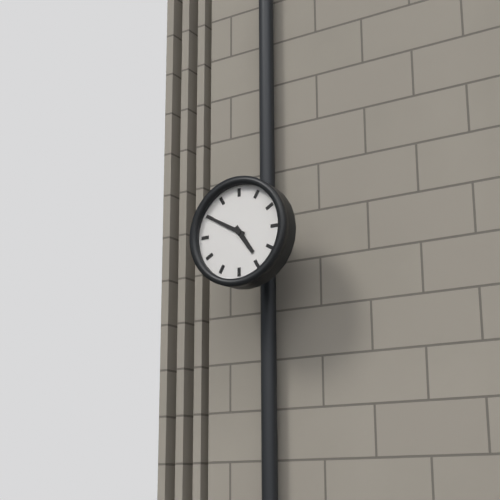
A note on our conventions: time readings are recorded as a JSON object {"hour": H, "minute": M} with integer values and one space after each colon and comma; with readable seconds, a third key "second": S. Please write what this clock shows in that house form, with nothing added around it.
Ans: {"hour": 4, "minute": 50}
